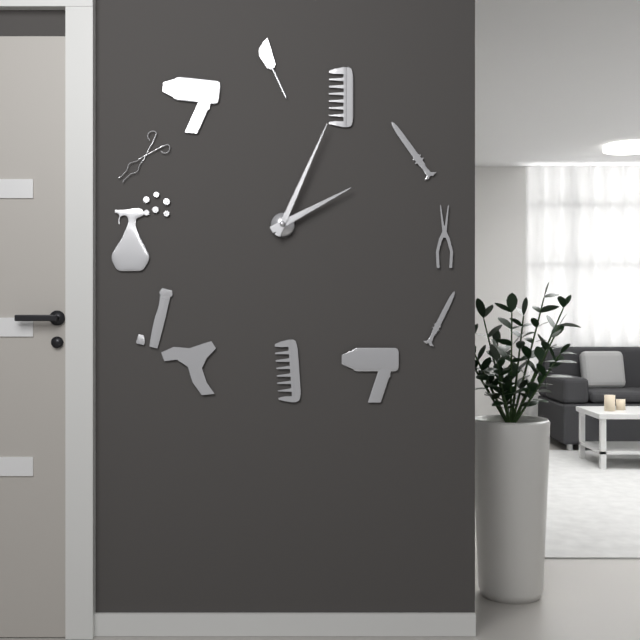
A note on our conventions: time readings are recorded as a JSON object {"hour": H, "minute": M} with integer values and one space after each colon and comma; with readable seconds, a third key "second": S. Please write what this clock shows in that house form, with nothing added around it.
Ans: {"hour": 2, "minute": 4}
